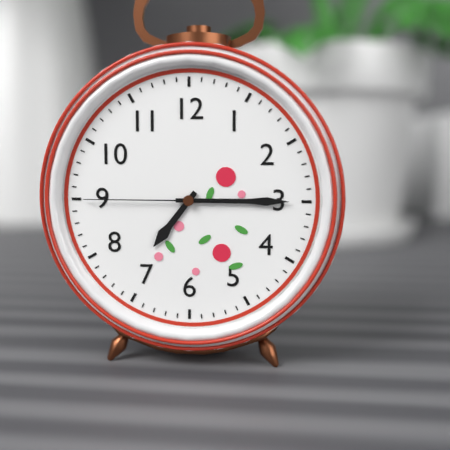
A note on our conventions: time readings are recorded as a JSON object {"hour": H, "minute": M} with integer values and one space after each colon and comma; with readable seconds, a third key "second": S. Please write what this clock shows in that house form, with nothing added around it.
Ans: {"hour": 7, "minute": 15, "second": 45}
